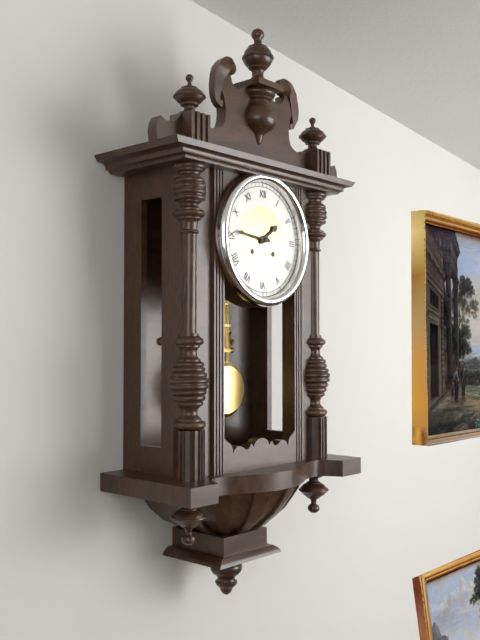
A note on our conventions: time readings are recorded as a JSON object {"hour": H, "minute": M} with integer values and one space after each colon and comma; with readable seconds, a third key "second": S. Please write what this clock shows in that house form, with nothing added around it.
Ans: {"hour": 1, "minute": 46}
